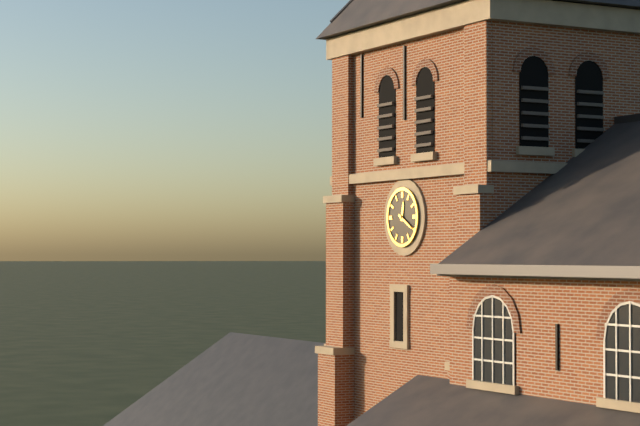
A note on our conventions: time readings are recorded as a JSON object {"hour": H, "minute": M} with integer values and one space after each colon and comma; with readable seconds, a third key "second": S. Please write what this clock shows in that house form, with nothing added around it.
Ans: {"hour": 12, "minute": 20}
